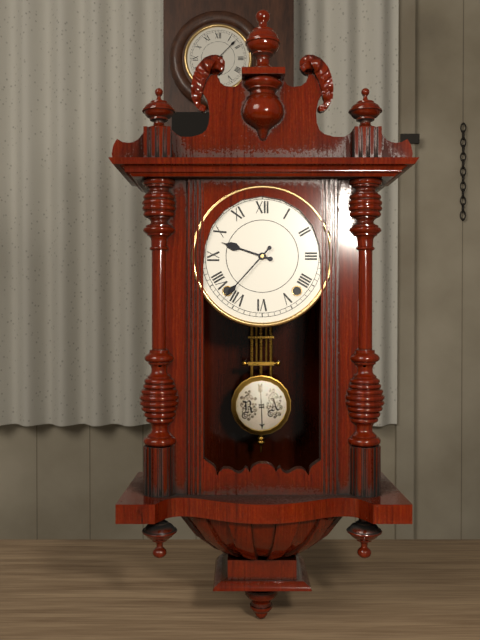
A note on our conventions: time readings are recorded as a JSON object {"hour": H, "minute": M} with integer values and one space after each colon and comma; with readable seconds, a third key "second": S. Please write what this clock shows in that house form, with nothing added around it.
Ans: {"hour": 9, "minute": 37}
